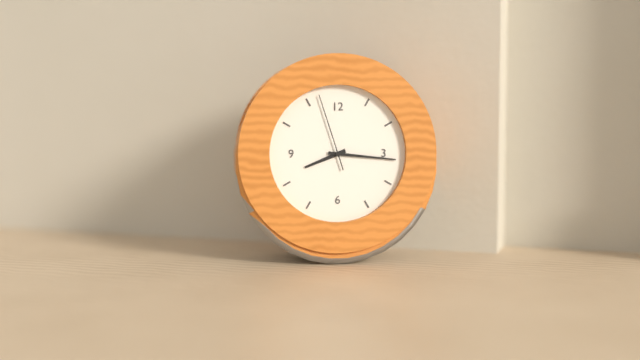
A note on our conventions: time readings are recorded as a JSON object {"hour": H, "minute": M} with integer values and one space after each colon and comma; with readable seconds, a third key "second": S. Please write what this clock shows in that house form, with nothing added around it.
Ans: {"hour": 8, "minute": 16, "second": 57}
